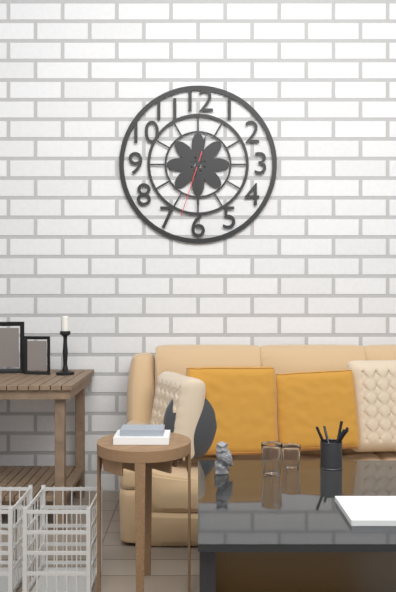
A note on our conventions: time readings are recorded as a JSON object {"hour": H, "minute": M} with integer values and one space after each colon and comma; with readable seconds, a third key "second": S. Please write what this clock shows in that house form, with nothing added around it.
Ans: {"hour": 12, "minute": 30, "second": 33}
